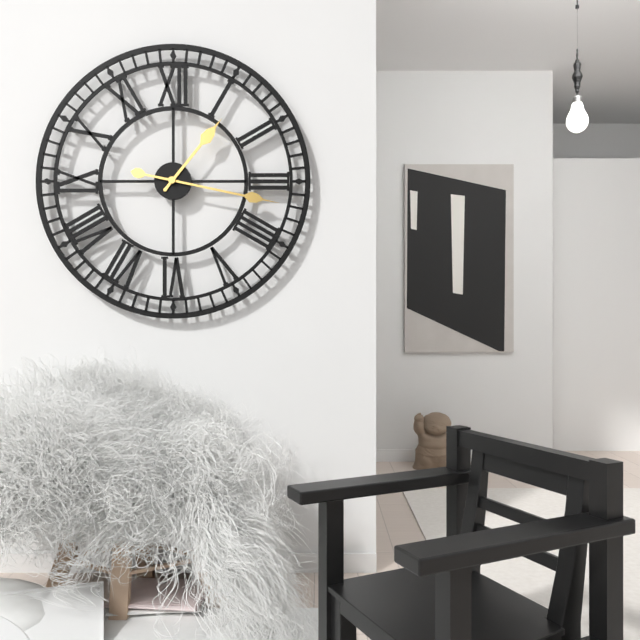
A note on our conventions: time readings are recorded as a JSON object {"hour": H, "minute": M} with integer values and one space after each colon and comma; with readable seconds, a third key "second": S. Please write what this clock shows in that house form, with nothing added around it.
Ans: {"hour": 1, "minute": 17}
